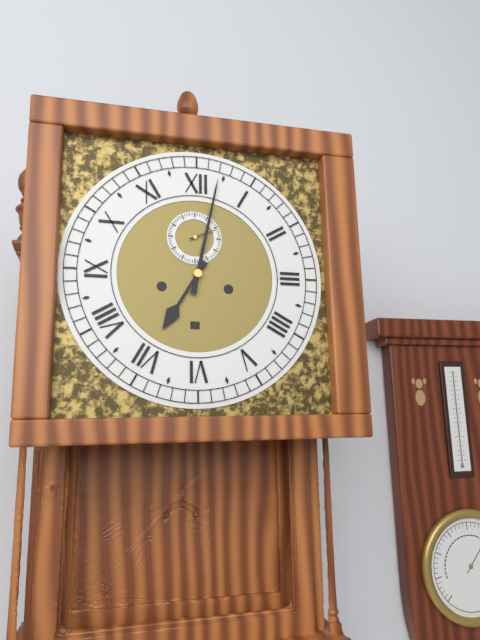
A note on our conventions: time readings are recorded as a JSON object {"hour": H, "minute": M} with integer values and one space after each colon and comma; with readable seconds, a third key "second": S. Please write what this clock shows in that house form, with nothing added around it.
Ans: {"hour": 7, "minute": 2}
